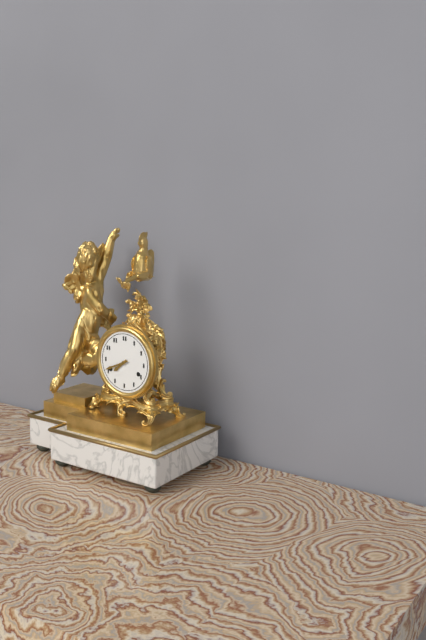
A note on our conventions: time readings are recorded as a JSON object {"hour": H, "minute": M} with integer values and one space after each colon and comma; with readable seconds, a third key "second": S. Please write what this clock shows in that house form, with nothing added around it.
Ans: {"hour": 7, "minute": 41}
